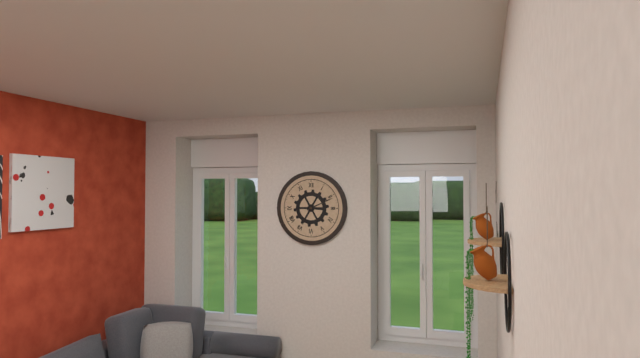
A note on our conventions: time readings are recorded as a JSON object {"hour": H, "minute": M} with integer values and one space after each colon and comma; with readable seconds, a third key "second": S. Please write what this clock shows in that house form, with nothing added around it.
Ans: {"hour": 3, "minute": 11}
